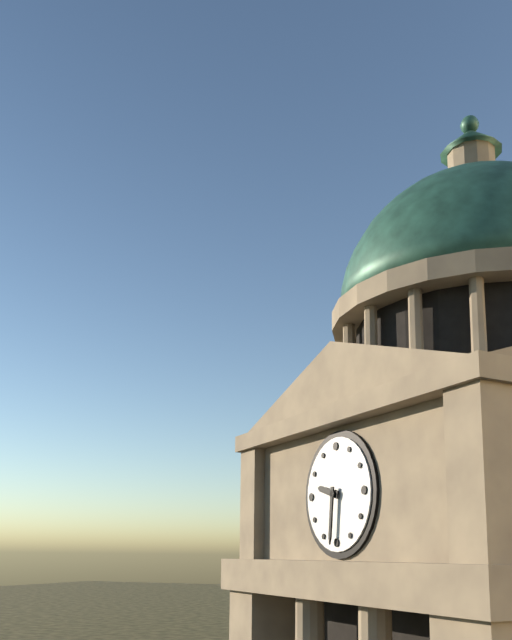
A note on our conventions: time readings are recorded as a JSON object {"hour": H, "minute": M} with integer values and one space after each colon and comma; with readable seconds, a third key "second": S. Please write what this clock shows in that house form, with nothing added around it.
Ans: {"hour": 9, "minute": 31}
